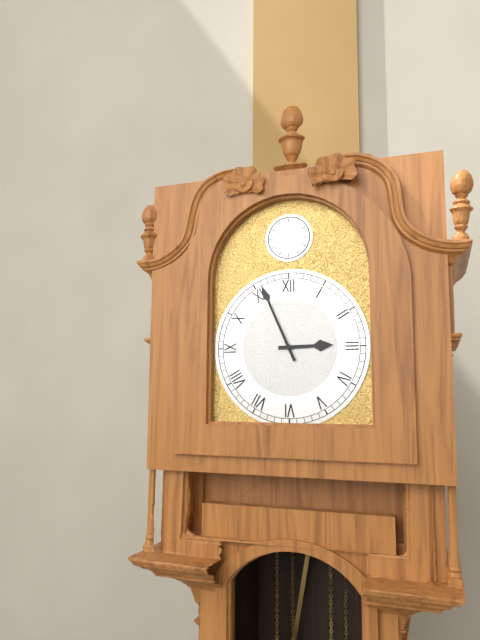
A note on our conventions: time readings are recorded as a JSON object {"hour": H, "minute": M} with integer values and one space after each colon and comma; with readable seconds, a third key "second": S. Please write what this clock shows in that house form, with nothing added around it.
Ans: {"hour": 2, "minute": 56}
